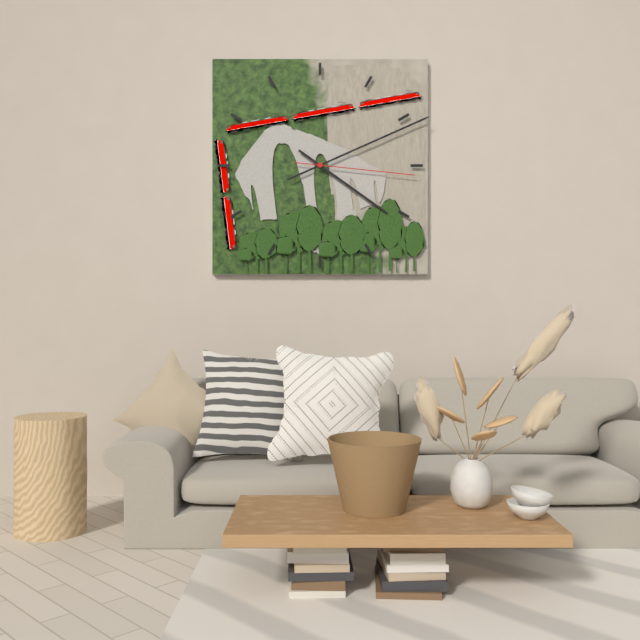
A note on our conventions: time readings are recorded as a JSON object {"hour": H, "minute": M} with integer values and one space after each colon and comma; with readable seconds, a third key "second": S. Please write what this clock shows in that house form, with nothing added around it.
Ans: {"hour": 4, "minute": 11, "second": 16}
